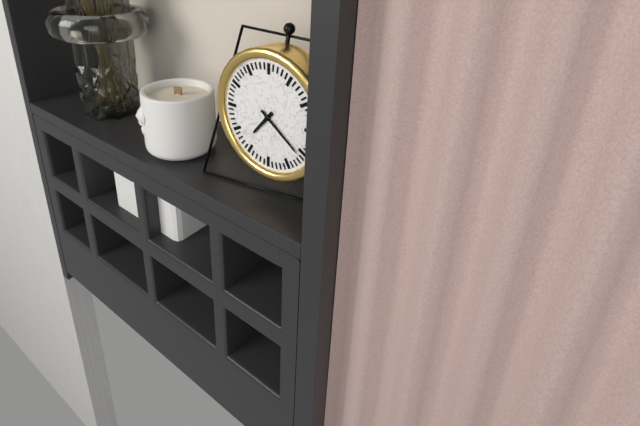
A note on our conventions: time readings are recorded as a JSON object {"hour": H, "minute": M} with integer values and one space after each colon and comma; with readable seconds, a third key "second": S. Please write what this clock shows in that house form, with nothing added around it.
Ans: {"hour": 7, "minute": 21}
